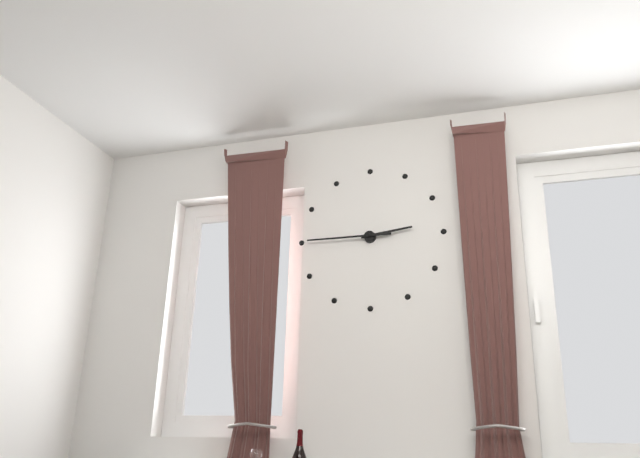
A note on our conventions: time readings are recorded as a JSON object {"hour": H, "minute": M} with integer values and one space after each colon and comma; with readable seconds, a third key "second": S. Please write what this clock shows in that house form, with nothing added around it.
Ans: {"hour": 2, "minute": 45}
